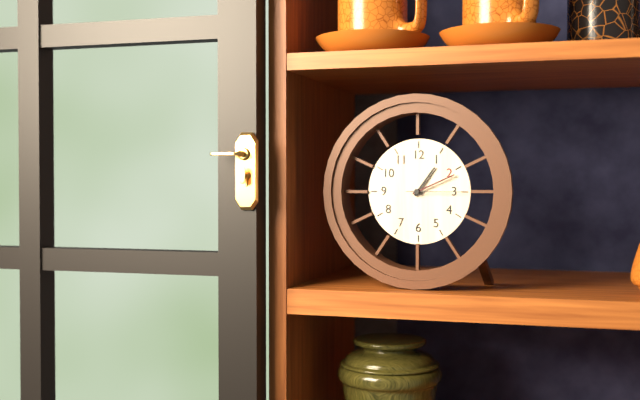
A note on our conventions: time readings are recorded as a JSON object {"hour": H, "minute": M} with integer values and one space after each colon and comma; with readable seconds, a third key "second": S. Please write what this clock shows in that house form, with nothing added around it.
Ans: {"hour": 1, "minute": 11, "second": 15}
